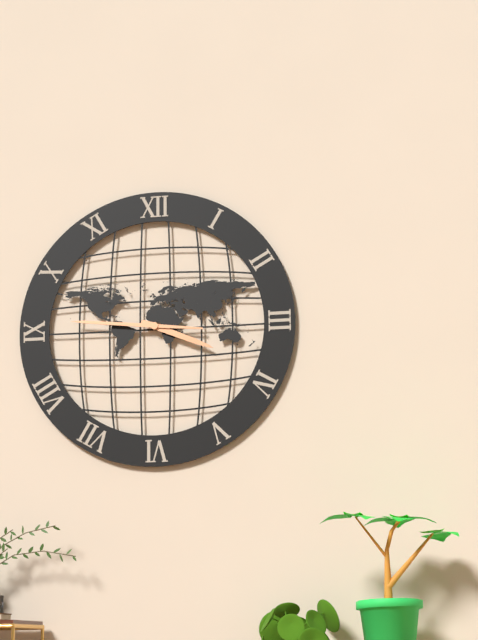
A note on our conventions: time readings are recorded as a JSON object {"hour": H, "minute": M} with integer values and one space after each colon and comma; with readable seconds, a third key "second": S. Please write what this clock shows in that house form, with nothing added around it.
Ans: {"hour": 3, "minute": 46}
